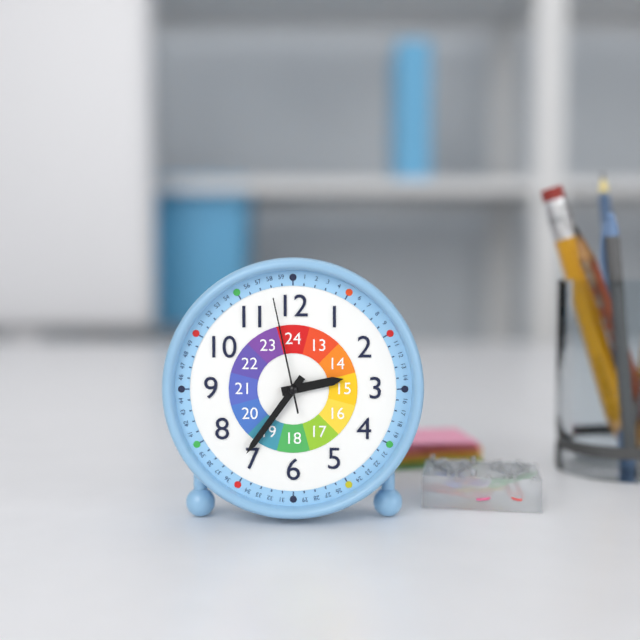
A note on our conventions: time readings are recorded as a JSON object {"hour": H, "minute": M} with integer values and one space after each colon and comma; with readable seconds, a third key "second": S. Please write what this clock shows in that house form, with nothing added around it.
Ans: {"hour": 2, "minute": 36, "second": 58}
